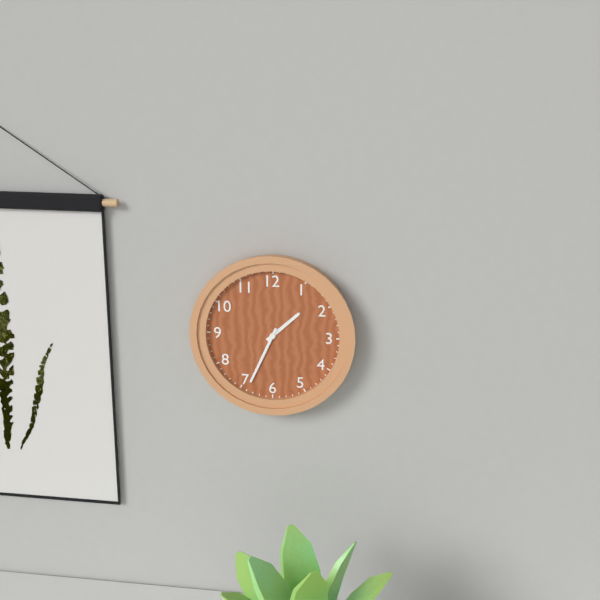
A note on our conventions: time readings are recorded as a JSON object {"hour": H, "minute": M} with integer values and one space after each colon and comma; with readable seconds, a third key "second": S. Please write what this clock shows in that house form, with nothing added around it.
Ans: {"hour": 1, "minute": 34}
